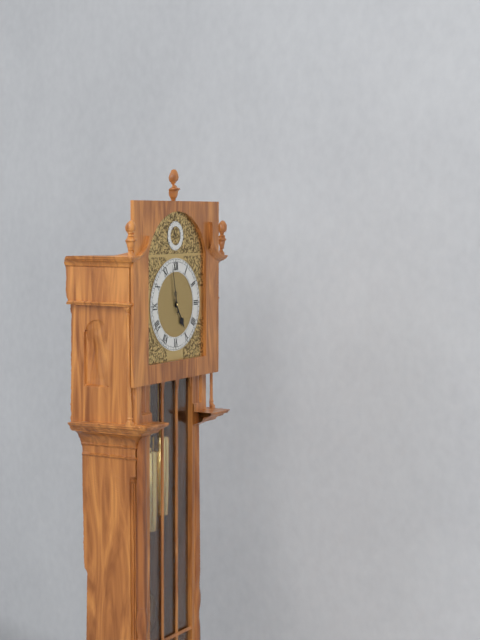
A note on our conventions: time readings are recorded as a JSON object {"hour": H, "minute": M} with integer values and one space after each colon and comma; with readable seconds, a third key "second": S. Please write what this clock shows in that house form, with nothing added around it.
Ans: {"hour": 4, "minute": 58}
